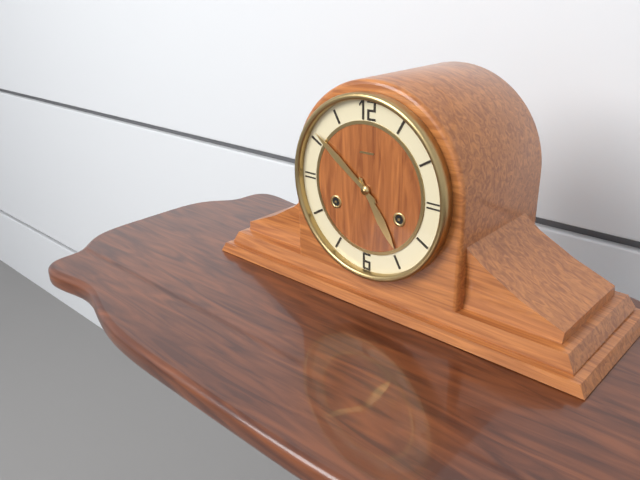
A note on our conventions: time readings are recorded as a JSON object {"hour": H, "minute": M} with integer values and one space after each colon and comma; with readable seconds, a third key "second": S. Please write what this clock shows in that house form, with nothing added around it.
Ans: {"hour": 4, "minute": 51}
